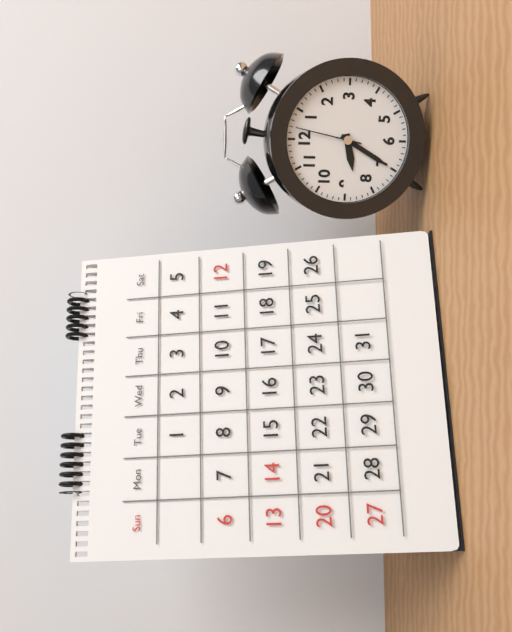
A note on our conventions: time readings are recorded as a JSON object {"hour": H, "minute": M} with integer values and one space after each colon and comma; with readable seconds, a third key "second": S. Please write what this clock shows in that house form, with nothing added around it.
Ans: {"hour": 8, "minute": 35, "second": 2}
